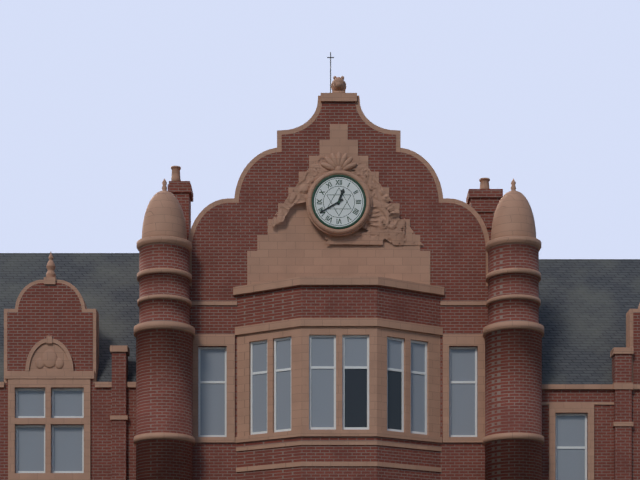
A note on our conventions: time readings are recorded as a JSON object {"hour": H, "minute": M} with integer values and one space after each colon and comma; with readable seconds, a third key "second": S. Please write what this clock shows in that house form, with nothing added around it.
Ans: {"hour": 12, "minute": 40}
